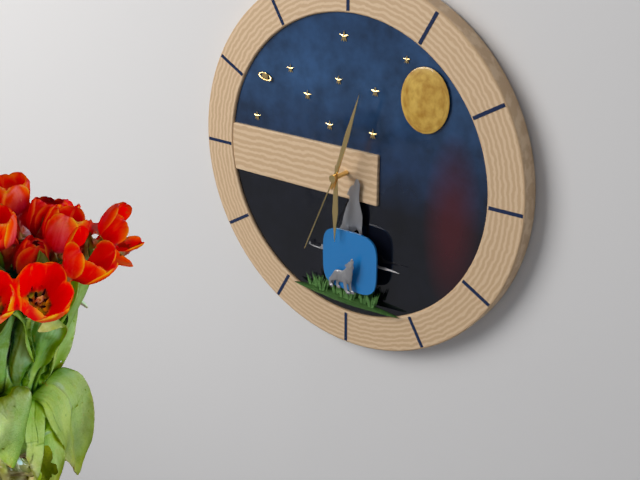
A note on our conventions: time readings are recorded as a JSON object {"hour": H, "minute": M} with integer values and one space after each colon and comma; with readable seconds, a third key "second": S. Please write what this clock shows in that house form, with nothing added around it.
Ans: {"hour": 6, "minute": 3, "second": 34}
